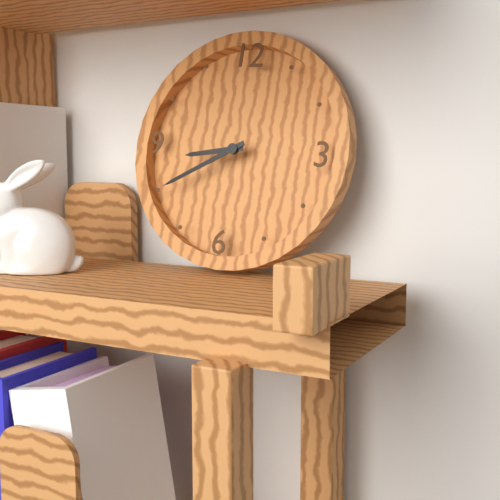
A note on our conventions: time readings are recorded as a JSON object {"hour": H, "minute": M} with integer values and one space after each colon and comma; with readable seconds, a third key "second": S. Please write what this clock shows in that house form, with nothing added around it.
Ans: {"hour": 8, "minute": 40}
